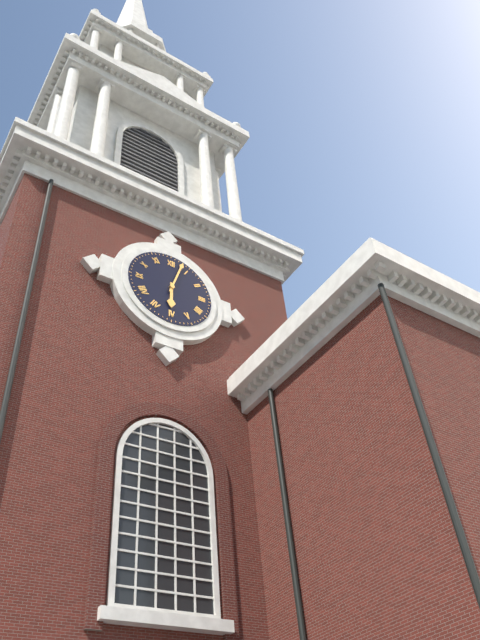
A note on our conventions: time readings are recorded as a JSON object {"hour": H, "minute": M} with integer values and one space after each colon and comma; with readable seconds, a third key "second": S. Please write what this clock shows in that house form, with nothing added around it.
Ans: {"hour": 6, "minute": 3}
